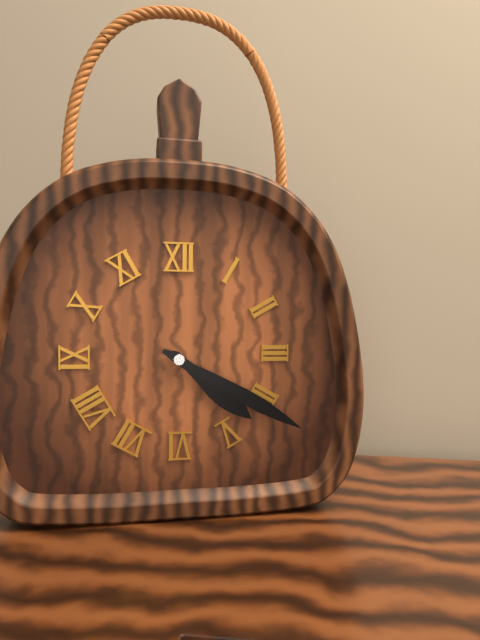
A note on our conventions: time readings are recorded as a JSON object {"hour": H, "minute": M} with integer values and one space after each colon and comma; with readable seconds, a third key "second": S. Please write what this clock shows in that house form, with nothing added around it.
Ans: {"hour": 4, "minute": 20}
